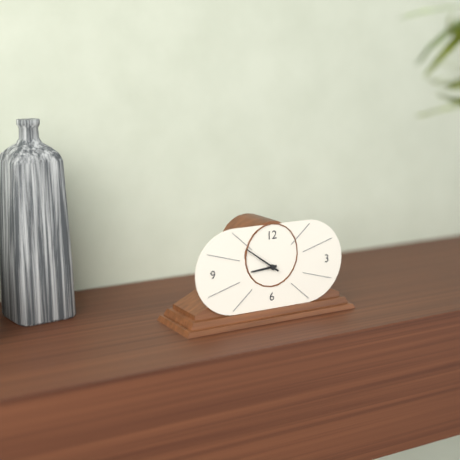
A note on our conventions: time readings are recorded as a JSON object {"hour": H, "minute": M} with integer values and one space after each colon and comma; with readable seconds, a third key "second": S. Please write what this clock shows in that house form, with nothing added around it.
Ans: {"hour": 8, "minute": 51}
